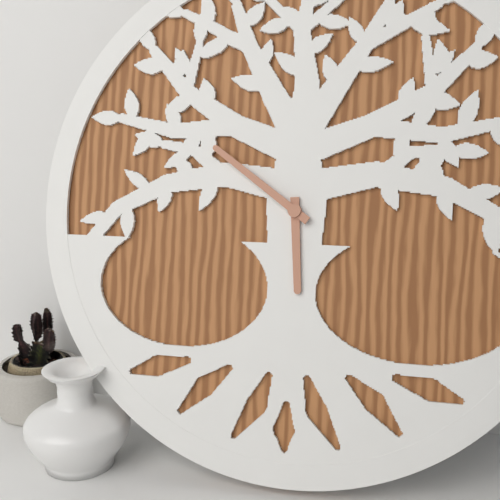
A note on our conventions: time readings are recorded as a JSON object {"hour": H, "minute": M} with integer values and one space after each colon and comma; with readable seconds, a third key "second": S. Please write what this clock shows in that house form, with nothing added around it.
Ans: {"hour": 5, "minute": 51}
